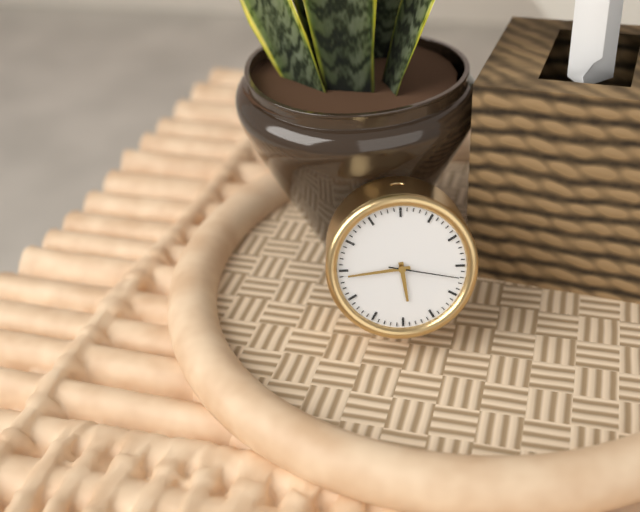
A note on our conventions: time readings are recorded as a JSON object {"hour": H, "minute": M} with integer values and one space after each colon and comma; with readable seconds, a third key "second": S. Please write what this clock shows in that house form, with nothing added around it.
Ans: {"hour": 5, "minute": 44, "second": 17}
